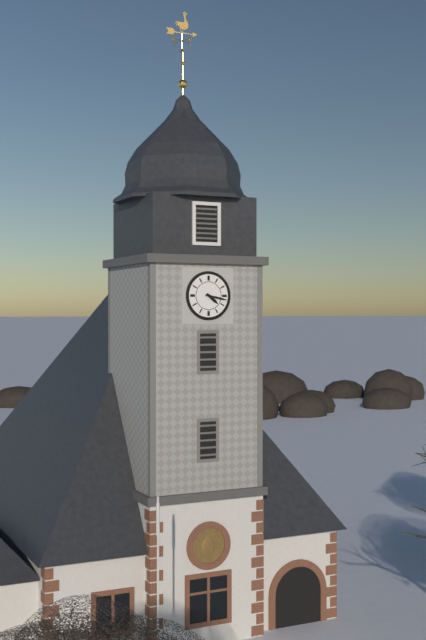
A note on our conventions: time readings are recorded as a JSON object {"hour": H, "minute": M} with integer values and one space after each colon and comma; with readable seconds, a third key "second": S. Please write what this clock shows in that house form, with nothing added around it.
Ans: {"hour": 4, "minute": 17}
